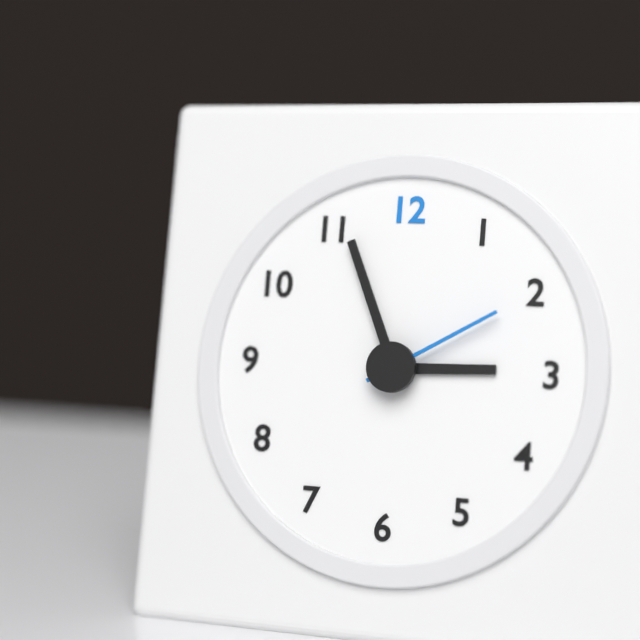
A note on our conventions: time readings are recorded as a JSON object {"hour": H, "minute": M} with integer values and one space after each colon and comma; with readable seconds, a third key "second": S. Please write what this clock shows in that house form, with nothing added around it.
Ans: {"hour": 2, "minute": 56, "second": 10}
